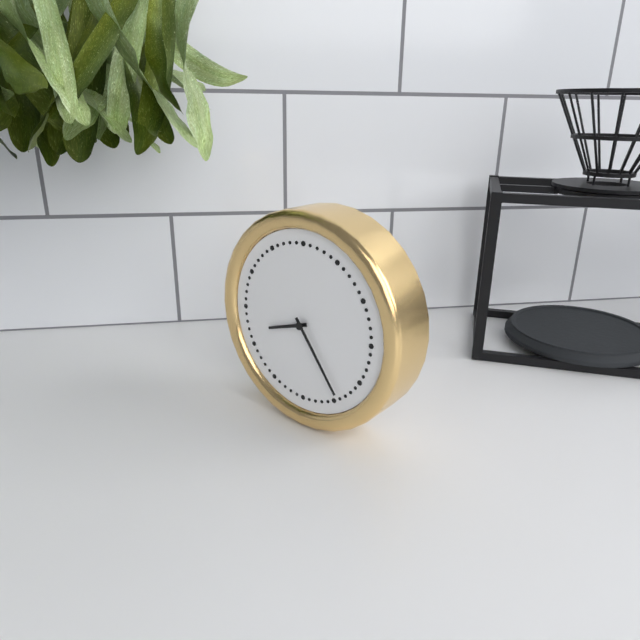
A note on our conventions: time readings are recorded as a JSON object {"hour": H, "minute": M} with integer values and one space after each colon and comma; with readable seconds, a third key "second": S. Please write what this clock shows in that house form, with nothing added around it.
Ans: {"hour": 8, "minute": 24}
